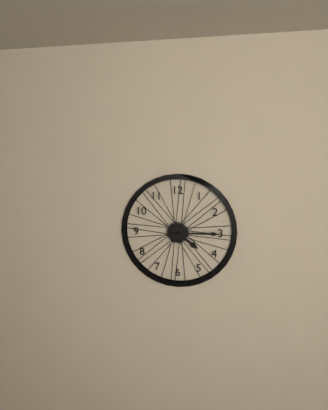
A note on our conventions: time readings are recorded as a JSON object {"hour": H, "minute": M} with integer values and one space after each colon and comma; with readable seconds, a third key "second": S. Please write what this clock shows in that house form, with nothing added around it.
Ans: {"hour": 4, "minute": 15}
